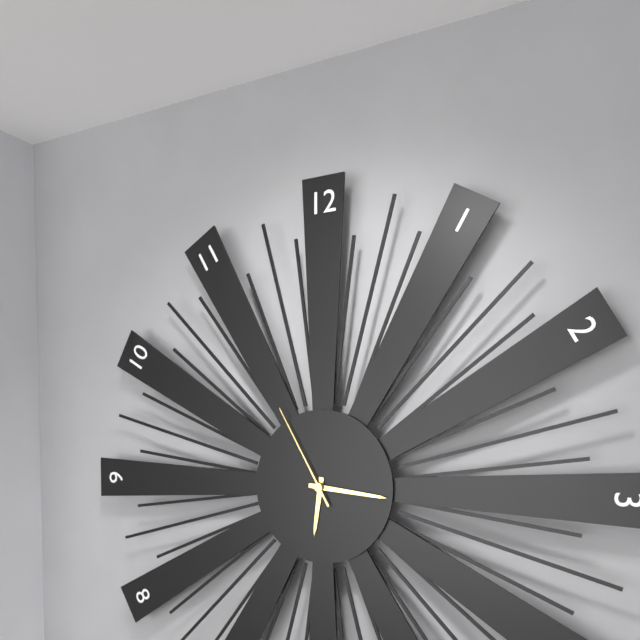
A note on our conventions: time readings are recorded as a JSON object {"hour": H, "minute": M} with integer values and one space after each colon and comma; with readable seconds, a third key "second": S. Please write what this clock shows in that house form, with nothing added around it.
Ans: {"hour": 6, "minute": 16, "second": 55}
